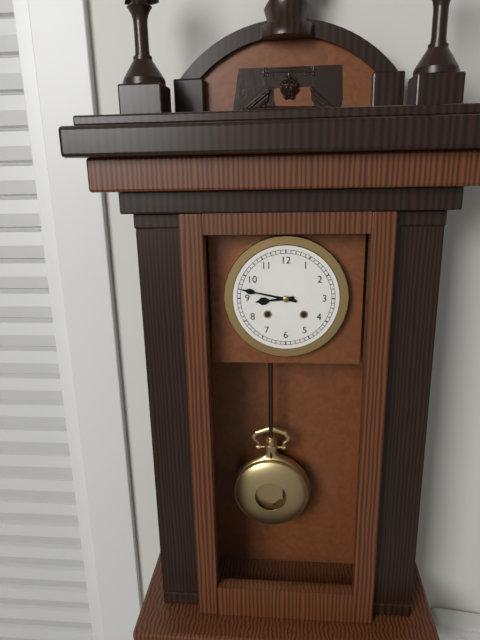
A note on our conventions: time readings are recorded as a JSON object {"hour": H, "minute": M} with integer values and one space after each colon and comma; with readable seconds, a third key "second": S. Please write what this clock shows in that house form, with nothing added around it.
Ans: {"hour": 8, "minute": 47}
